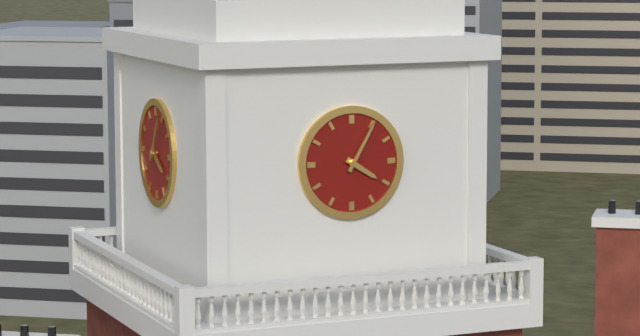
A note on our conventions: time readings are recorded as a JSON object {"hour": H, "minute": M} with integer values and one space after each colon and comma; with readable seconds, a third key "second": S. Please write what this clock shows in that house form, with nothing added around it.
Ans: {"hour": 4, "minute": 5}
